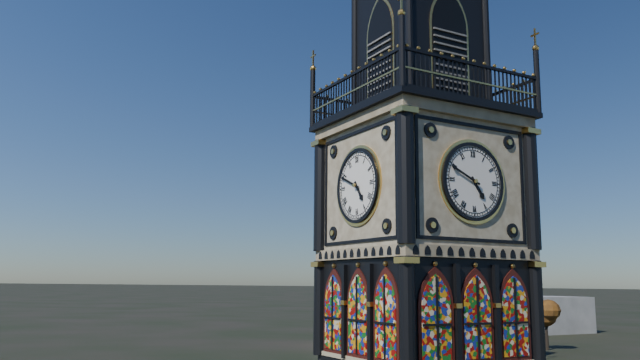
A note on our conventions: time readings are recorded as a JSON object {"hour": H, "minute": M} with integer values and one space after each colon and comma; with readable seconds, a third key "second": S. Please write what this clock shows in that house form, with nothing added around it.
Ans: {"hour": 4, "minute": 49}
